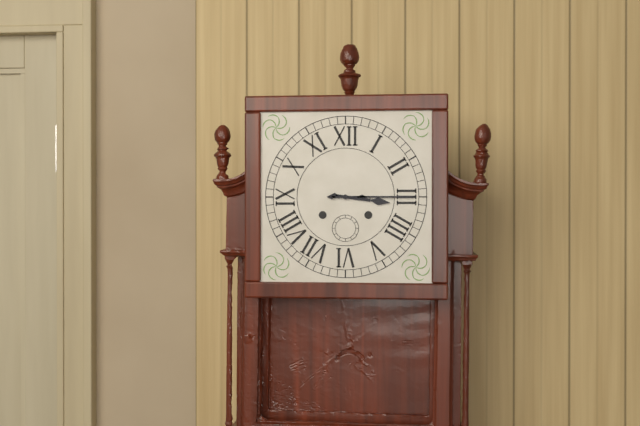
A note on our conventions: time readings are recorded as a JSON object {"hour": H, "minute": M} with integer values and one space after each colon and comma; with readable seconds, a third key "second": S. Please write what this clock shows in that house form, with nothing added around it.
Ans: {"hour": 3, "minute": 15}
